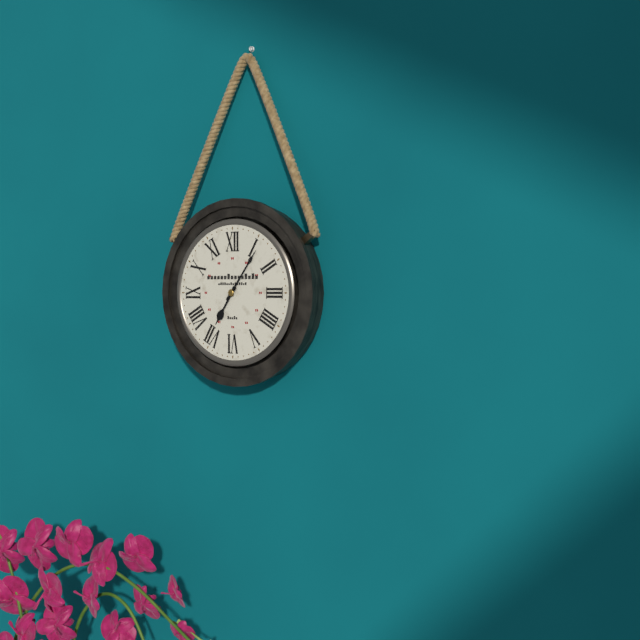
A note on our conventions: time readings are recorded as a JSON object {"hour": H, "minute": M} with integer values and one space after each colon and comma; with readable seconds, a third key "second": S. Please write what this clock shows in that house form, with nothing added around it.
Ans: {"hour": 7, "minute": 6}
